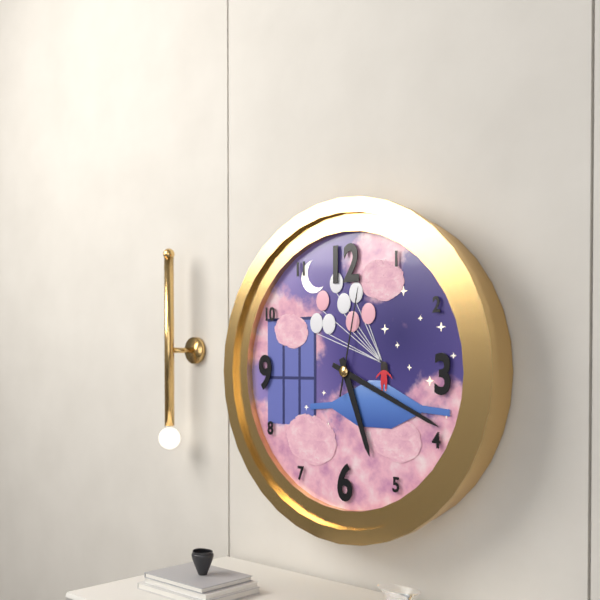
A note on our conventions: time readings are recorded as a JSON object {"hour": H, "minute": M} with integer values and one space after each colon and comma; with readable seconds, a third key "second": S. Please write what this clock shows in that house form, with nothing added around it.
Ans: {"hour": 5, "minute": 19, "second": 2}
